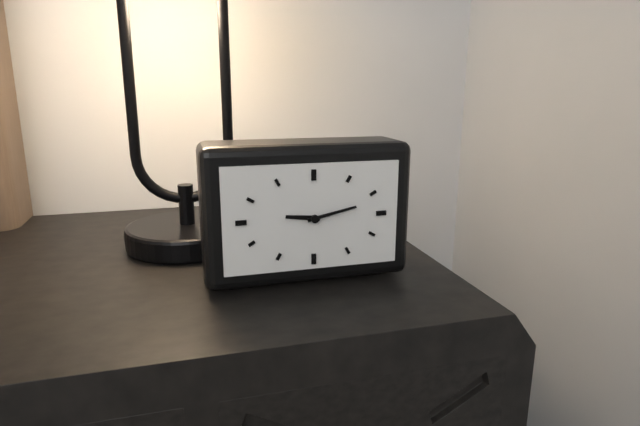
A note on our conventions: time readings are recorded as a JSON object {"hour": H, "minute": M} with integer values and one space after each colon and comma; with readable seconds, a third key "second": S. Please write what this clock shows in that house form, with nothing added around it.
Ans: {"hour": 9, "minute": 13}
